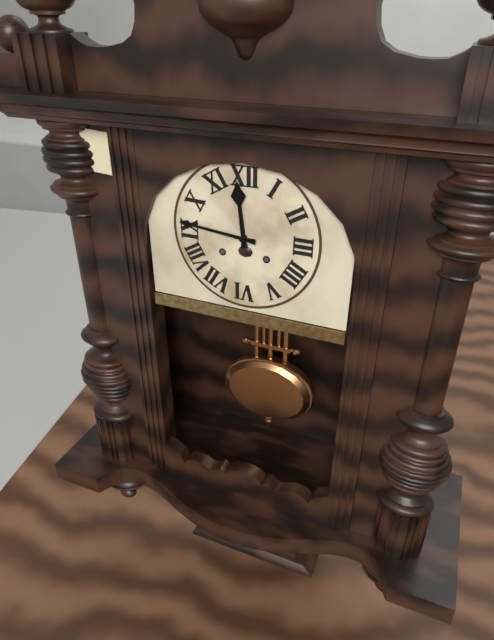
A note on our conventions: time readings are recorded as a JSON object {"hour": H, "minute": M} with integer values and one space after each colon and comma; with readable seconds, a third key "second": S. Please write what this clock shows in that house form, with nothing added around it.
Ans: {"hour": 11, "minute": 46}
